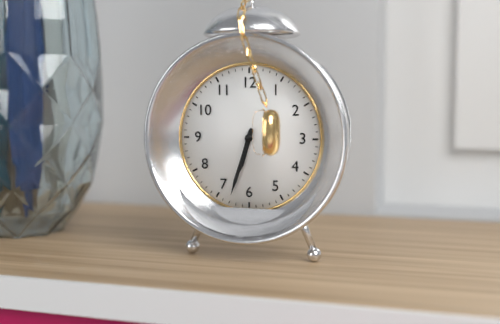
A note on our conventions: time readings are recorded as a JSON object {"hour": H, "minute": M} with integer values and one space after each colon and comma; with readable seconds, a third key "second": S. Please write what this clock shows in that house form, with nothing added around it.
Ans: {"hour": 6, "minute": 33}
